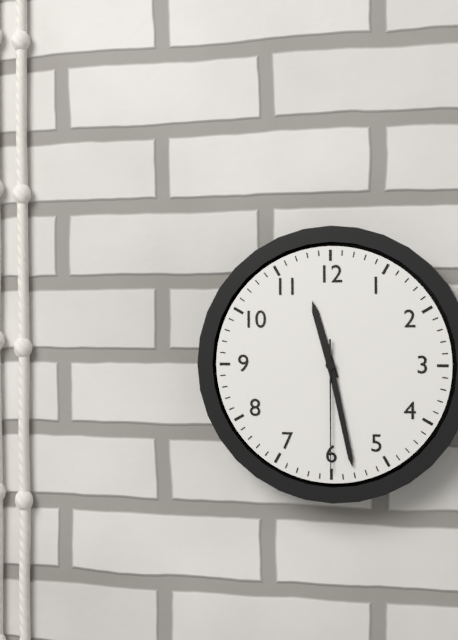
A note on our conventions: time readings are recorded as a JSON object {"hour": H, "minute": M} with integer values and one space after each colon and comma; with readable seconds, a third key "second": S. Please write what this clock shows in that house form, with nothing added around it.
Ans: {"hour": 11, "minute": 28, "second": 30}
